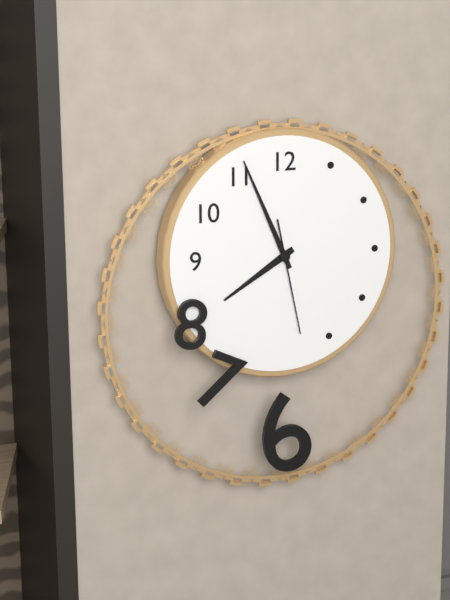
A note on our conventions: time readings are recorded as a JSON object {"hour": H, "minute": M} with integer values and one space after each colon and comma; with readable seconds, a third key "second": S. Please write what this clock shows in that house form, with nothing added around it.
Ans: {"hour": 7, "minute": 56, "second": 28}
